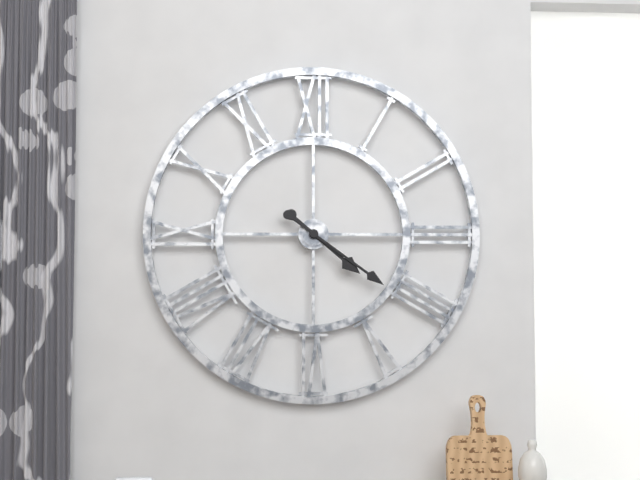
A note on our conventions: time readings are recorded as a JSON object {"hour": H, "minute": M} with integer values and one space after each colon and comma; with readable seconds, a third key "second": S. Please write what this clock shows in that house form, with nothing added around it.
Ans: {"hour": 4, "minute": 21}
